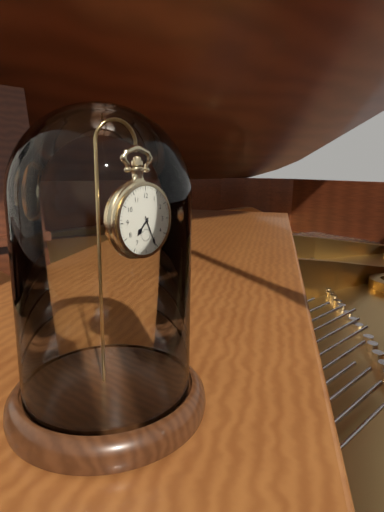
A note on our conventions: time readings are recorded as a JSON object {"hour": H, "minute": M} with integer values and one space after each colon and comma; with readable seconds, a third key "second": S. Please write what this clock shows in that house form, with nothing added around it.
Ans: {"hour": 7, "minute": 26}
